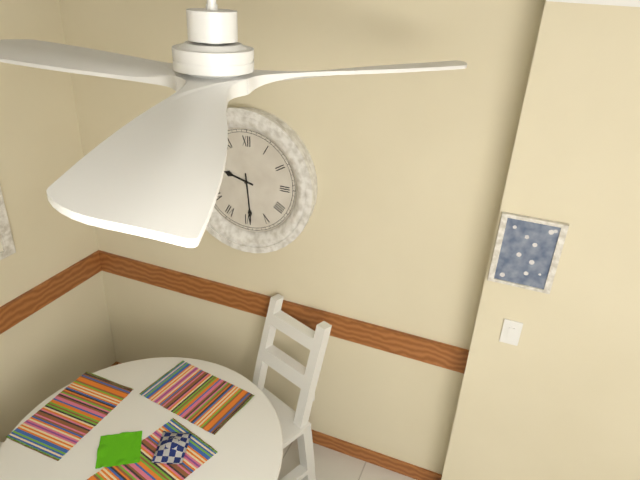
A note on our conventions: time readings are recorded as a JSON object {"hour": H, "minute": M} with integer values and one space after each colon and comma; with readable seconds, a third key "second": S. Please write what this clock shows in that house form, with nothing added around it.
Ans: {"hour": 9, "minute": 29}
